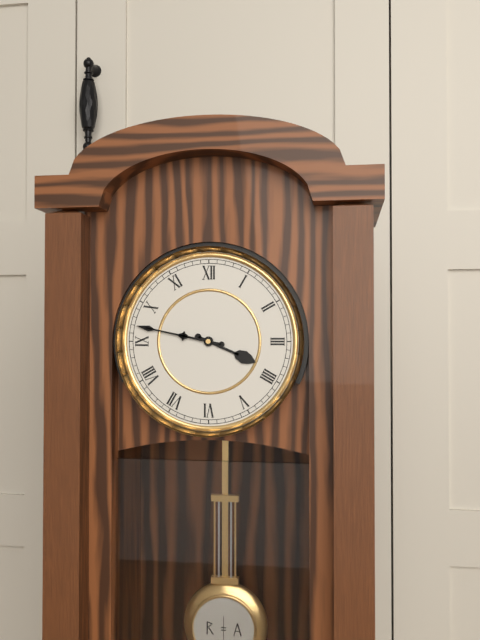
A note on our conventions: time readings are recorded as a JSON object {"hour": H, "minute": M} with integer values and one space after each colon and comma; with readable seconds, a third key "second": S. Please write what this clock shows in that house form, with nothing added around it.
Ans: {"hour": 3, "minute": 47}
